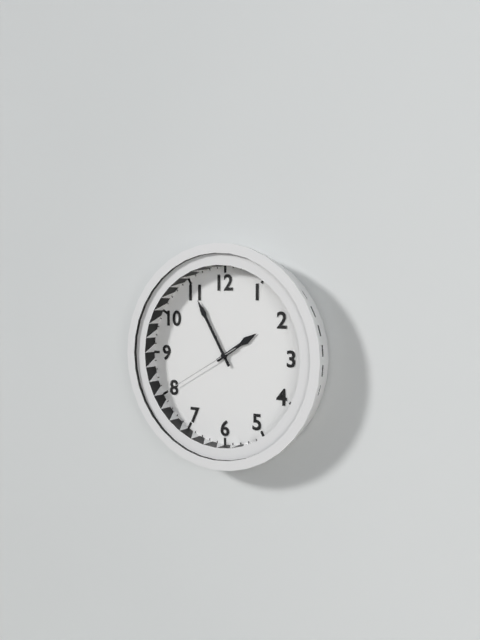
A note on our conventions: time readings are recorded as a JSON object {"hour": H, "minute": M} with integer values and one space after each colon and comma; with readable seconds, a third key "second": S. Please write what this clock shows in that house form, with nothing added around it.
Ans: {"hour": 1, "minute": 55, "second": 40}
